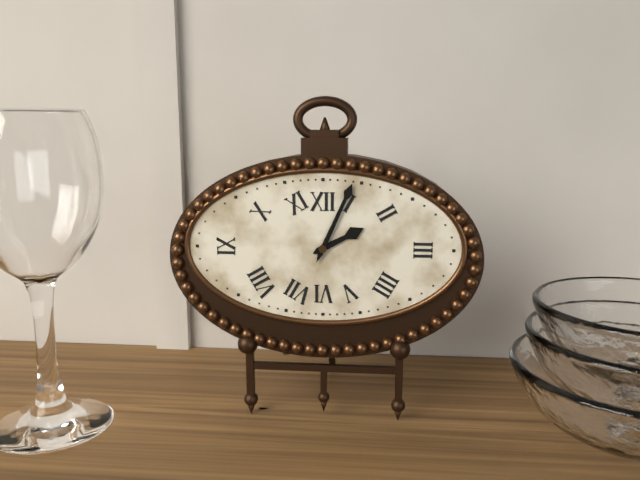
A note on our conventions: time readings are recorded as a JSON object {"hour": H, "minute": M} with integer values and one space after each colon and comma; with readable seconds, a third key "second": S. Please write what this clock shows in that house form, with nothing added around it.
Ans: {"hour": 2, "minute": 4}
